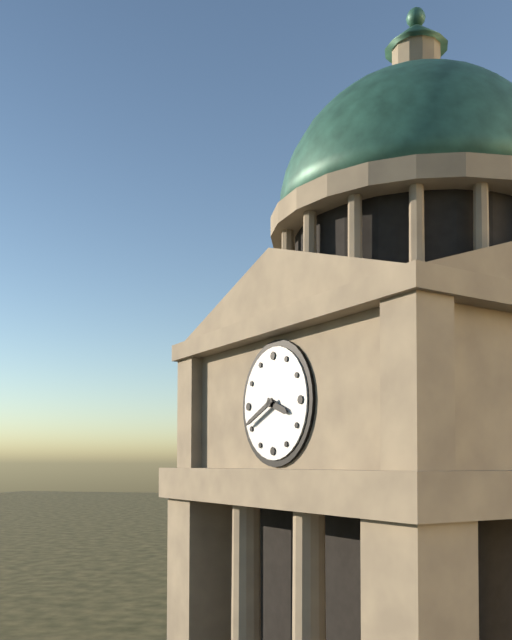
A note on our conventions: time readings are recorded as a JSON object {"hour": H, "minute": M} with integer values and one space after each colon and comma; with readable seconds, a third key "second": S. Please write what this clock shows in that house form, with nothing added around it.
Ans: {"hour": 3, "minute": 41}
